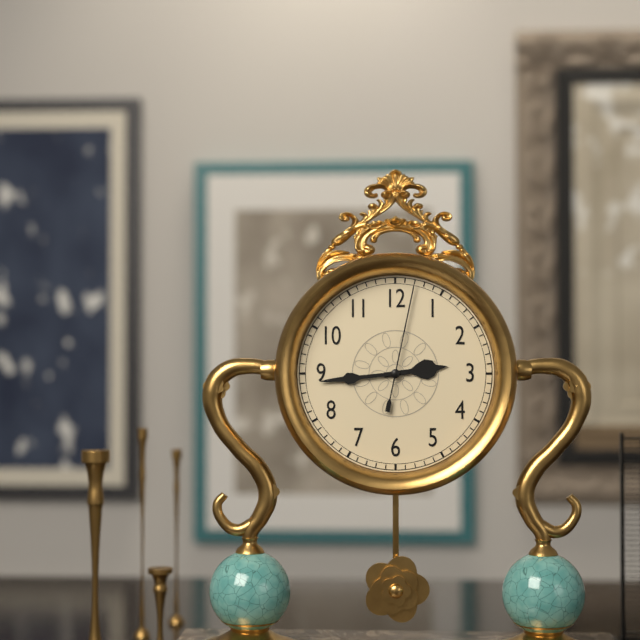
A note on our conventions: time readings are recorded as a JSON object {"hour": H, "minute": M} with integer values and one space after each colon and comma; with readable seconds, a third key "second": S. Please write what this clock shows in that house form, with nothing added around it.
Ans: {"hour": 2, "minute": 44, "second": 2}
